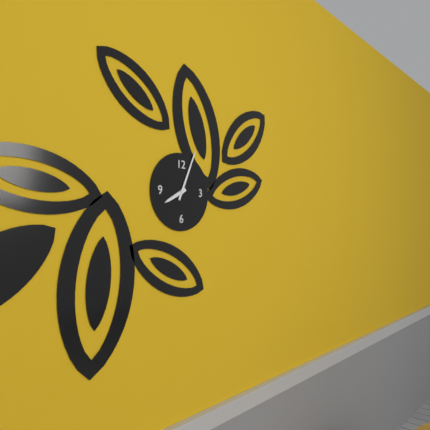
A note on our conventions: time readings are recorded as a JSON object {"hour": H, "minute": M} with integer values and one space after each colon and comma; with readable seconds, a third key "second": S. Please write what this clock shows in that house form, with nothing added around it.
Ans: {"hour": 8, "minute": 4}
